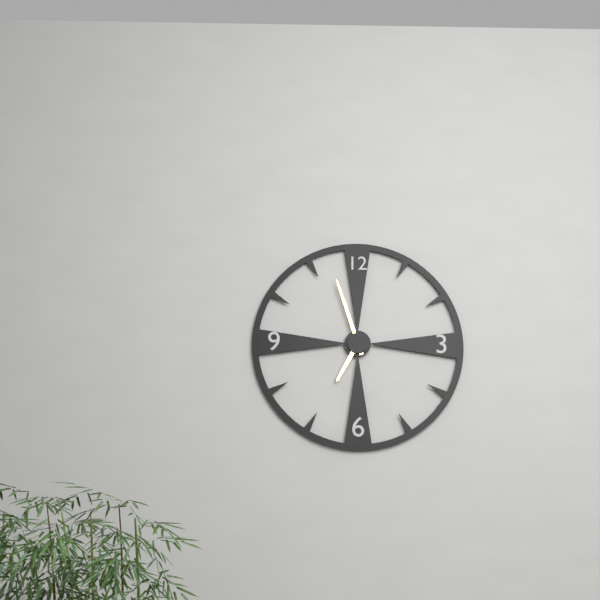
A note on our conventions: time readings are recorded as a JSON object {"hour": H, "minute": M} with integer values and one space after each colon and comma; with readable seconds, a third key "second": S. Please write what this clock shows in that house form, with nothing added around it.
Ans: {"hour": 6, "minute": 57}
